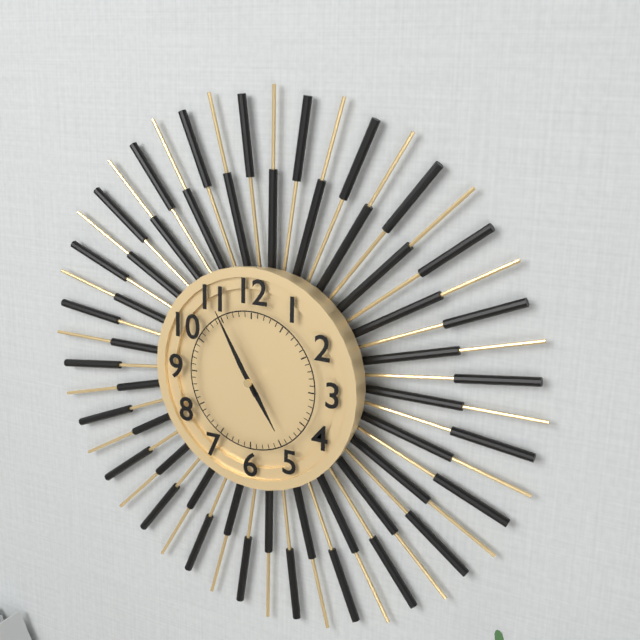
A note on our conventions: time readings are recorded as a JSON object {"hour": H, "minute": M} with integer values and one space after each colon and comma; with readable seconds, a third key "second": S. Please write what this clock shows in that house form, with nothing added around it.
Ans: {"hour": 4, "minute": 55}
